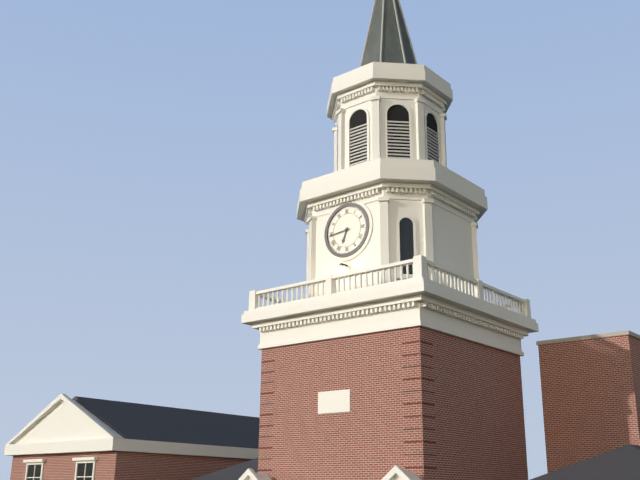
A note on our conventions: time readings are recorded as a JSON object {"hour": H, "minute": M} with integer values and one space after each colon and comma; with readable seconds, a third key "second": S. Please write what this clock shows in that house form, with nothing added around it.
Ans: {"hour": 6, "minute": 44}
